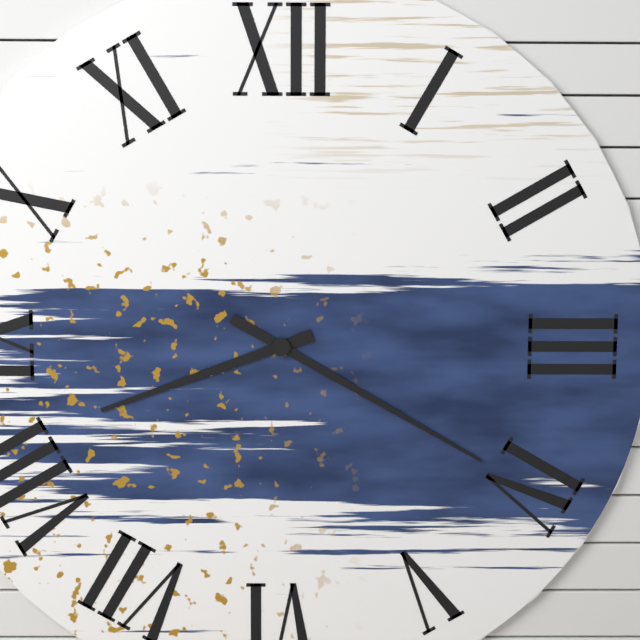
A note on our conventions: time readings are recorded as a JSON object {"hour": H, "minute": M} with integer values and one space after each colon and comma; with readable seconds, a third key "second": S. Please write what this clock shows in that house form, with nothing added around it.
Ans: {"hour": 8, "minute": 20}
